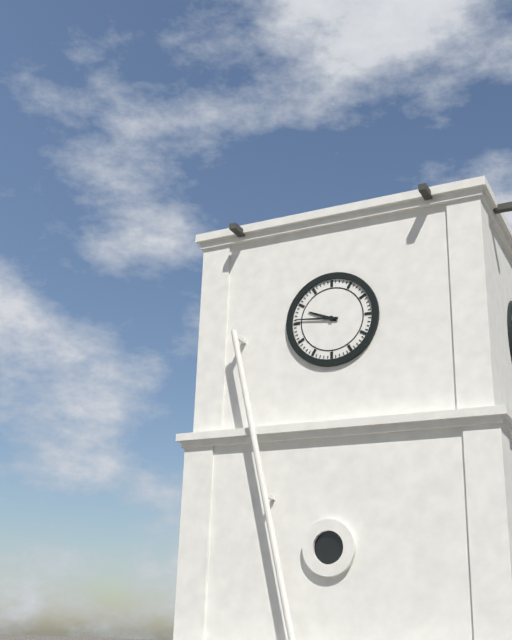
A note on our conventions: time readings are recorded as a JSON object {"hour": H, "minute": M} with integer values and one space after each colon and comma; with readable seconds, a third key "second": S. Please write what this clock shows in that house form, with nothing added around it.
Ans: {"hour": 9, "minute": 46}
